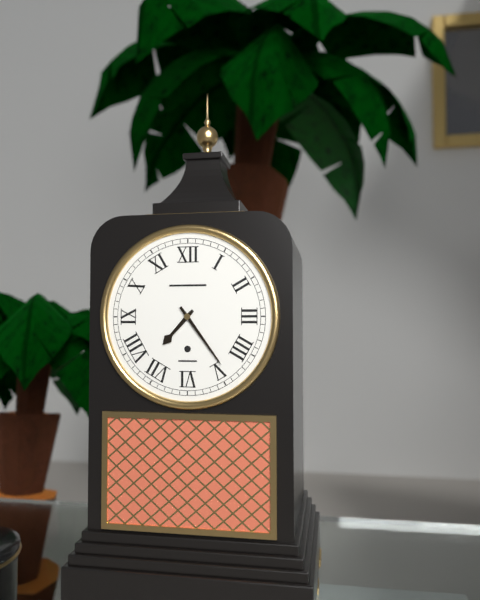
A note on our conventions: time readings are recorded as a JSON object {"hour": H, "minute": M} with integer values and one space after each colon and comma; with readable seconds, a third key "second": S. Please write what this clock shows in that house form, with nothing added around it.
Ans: {"hour": 7, "minute": 24}
